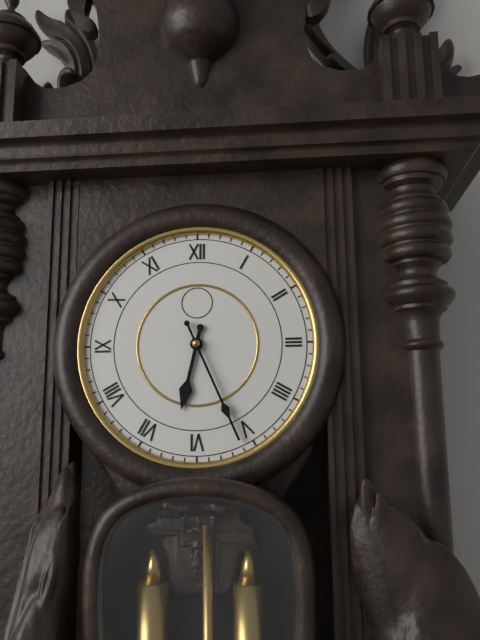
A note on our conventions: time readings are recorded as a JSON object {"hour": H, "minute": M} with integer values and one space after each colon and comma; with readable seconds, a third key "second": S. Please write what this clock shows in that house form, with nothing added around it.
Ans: {"hour": 6, "minute": 26}
